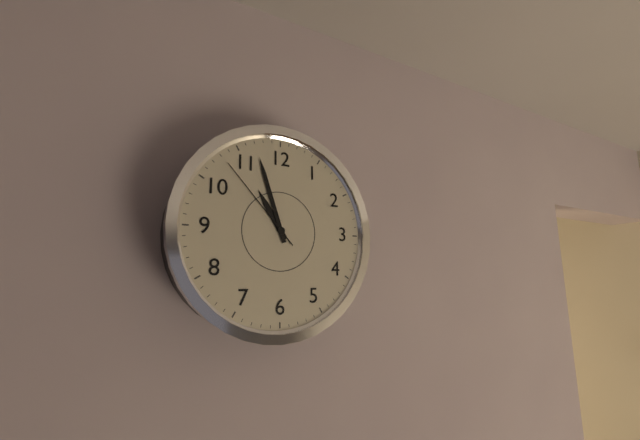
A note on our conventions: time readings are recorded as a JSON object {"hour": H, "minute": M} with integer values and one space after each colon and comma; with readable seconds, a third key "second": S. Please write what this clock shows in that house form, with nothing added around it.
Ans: {"hour": 10, "minute": 57, "second": 53}
